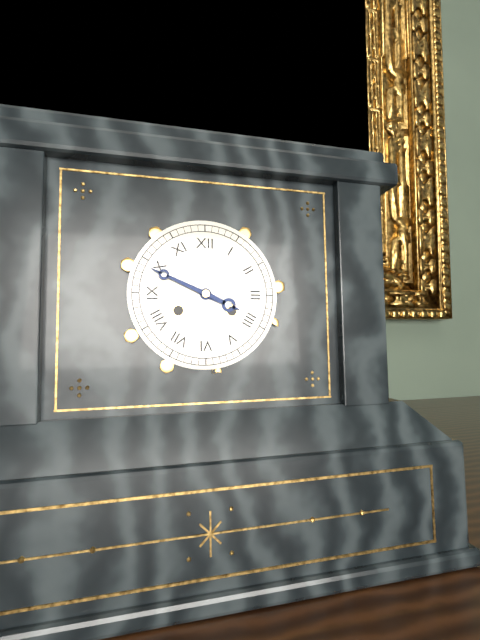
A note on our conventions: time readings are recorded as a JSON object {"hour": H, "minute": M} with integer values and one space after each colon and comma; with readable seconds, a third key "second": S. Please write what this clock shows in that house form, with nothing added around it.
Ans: {"hour": 3, "minute": 49}
